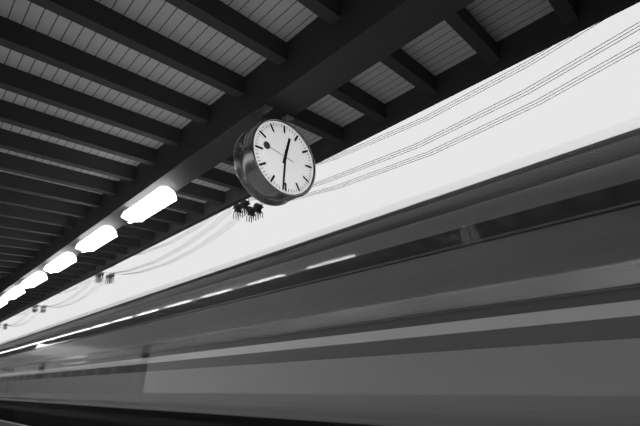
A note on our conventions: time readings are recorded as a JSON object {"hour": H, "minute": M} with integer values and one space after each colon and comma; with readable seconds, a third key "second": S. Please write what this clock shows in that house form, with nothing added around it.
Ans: {"hour": 12, "minute": 31}
